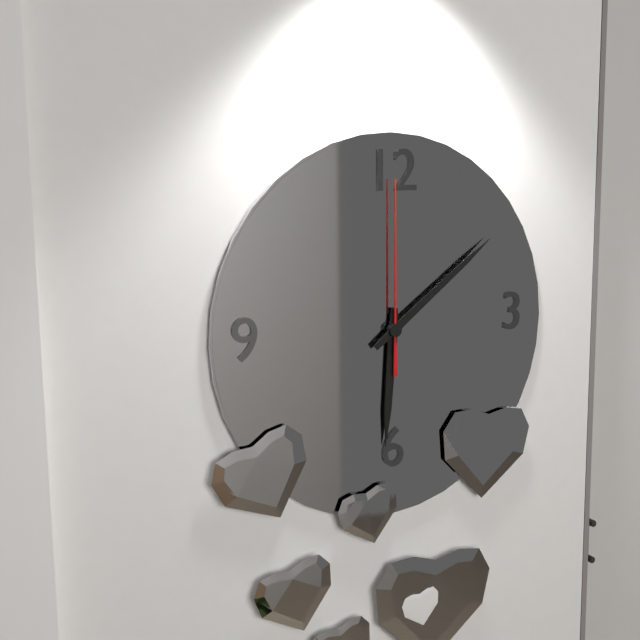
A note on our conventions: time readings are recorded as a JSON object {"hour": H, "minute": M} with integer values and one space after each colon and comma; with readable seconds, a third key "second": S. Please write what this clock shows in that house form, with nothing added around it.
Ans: {"hour": 6, "minute": 9, "second": 0}
